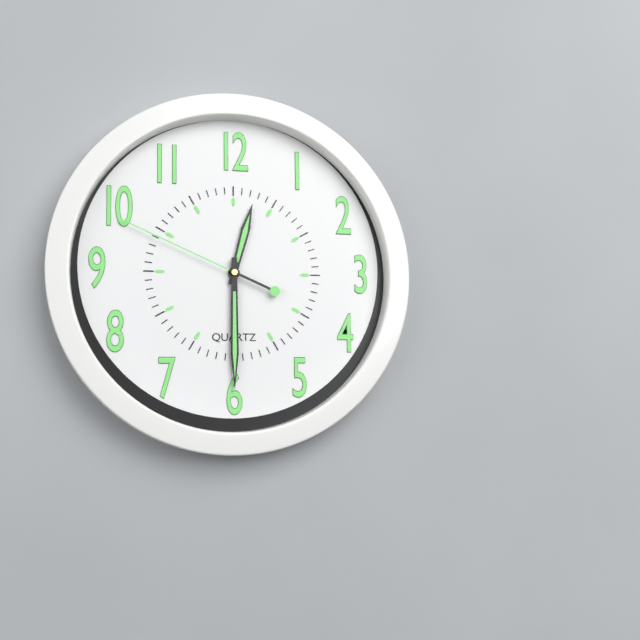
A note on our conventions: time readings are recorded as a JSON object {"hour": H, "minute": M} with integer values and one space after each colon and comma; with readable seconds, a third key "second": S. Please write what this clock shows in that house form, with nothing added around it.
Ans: {"hour": 12, "minute": 30, "second": 49}
